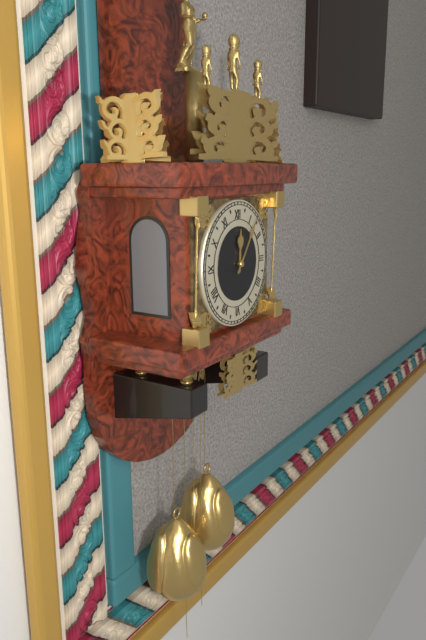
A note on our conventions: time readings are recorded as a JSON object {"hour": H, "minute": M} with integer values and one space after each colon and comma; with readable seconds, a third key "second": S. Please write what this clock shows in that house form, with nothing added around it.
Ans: {"hour": 12, "minute": 6}
